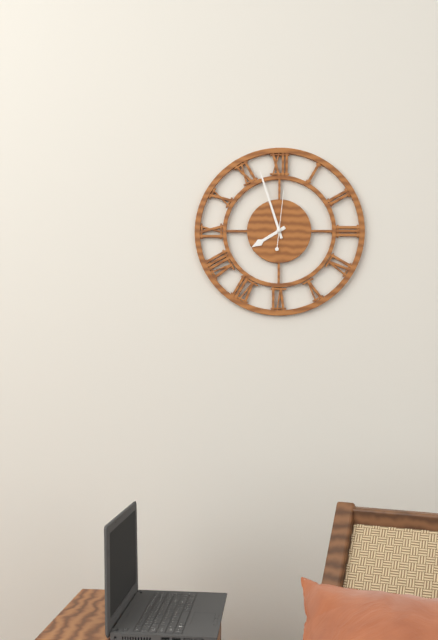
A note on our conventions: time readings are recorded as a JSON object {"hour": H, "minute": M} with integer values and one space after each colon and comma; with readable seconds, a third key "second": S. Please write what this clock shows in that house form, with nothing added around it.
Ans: {"hour": 7, "minute": 57, "second": 1}
